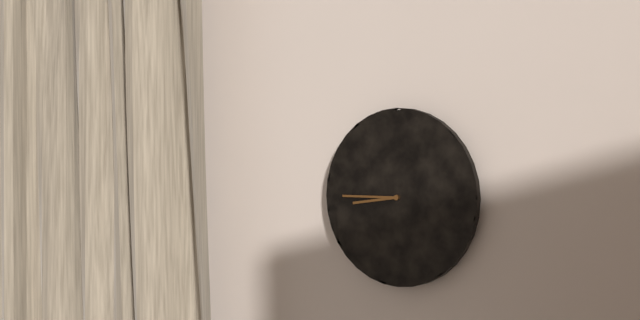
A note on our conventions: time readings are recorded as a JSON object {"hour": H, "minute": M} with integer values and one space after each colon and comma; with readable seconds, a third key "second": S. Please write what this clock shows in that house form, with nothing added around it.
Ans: {"hour": 8, "minute": 45}
